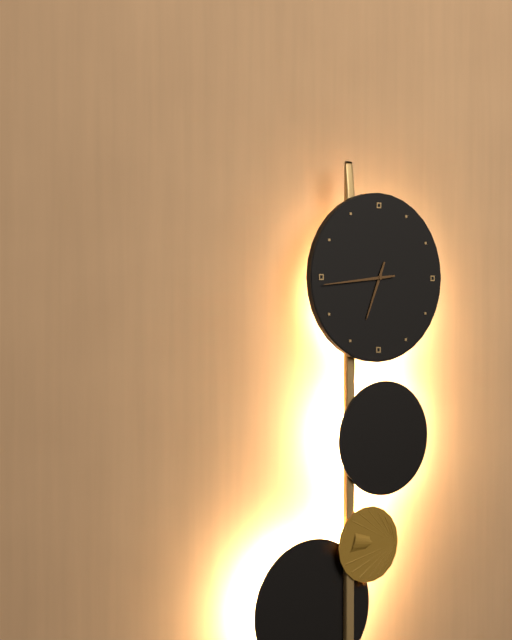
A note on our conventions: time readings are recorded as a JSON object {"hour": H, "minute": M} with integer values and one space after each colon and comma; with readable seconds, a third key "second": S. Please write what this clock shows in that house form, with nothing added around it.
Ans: {"hour": 6, "minute": 44}
